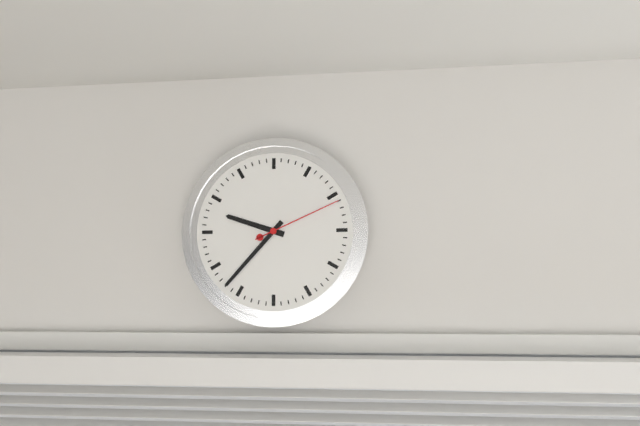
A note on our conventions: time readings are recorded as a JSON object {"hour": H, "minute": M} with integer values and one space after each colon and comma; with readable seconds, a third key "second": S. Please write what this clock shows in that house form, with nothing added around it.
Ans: {"hour": 9, "minute": 37, "second": 11}
